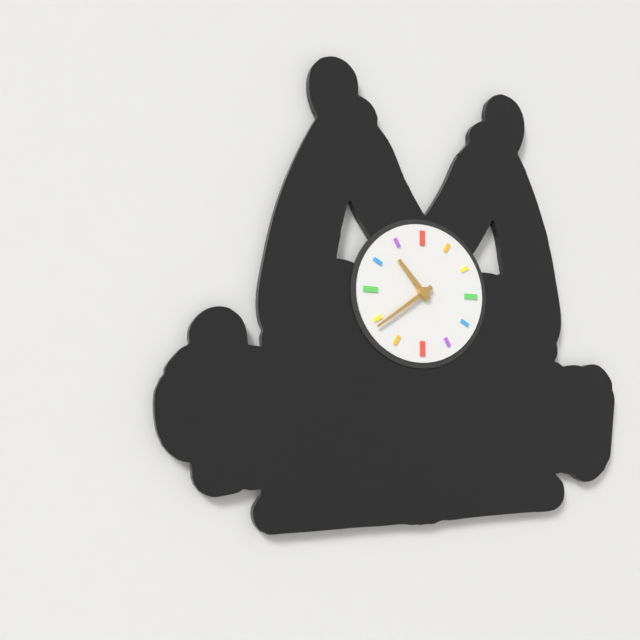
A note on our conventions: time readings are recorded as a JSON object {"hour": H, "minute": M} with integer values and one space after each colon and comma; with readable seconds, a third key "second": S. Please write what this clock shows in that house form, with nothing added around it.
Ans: {"hour": 10, "minute": 39}
